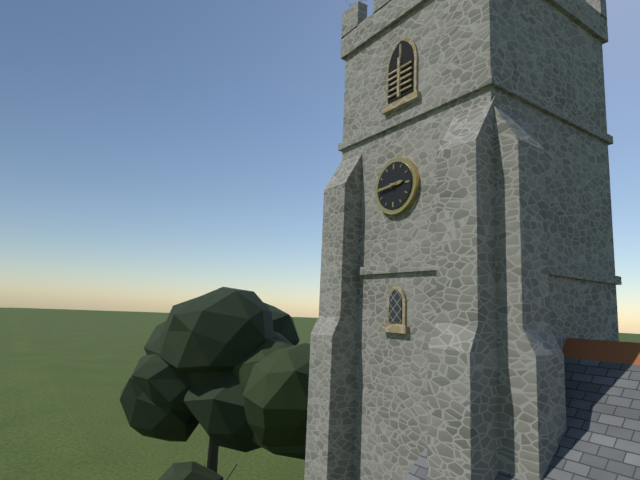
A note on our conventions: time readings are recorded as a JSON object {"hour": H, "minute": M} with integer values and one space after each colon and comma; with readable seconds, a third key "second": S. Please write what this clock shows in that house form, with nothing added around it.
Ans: {"hour": 2, "minute": 44}
